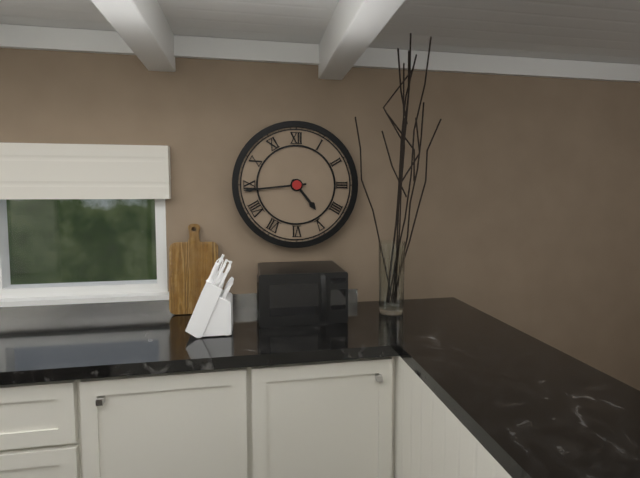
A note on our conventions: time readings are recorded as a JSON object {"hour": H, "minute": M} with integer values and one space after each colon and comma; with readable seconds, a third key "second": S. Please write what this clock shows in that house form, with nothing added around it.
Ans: {"hour": 4, "minute": 44}
